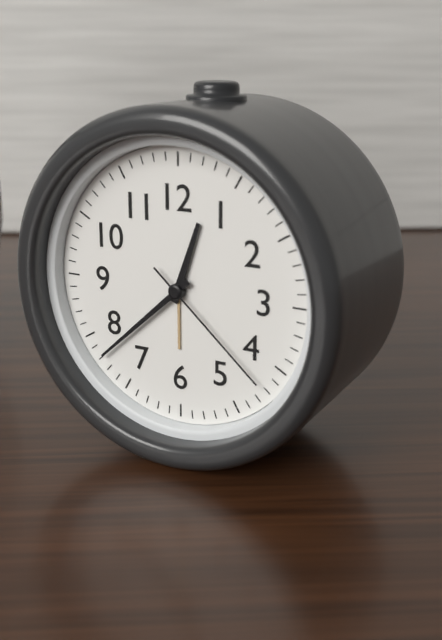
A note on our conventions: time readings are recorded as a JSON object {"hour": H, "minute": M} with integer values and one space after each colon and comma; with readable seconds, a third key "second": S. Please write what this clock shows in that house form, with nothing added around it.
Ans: {"hour": 12, "minute": 38, "second": 22}
